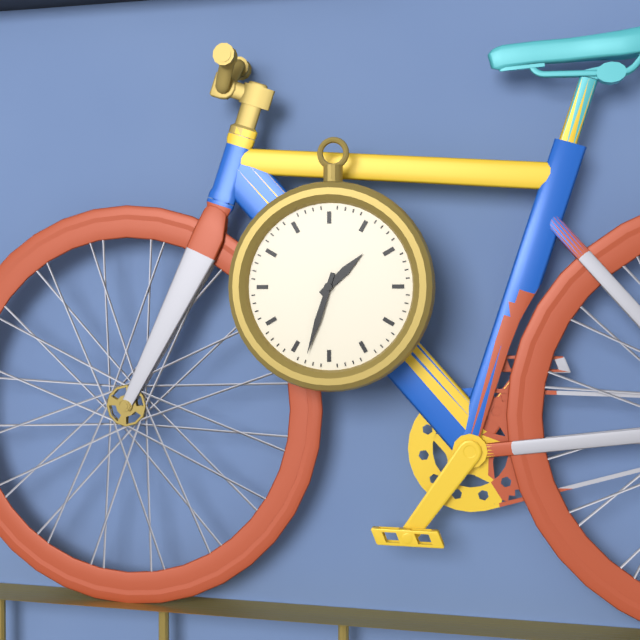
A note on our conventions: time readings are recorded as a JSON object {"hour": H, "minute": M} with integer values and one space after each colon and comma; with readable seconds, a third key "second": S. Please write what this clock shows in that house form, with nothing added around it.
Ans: {"hour": 1, "minute": 33}
